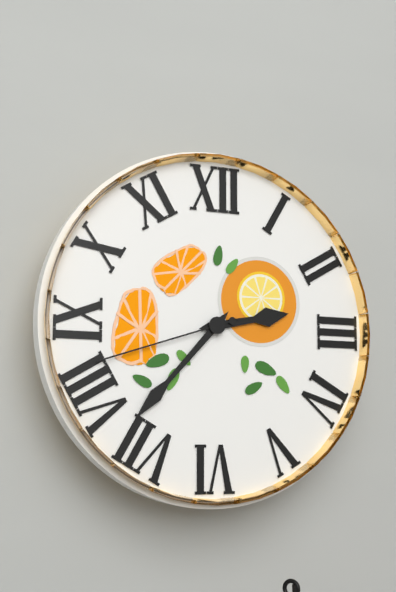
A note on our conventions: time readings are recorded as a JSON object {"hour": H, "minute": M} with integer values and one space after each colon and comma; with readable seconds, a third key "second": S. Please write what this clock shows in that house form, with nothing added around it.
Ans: {"hour": 2, "minute": 37, "second": 42}
